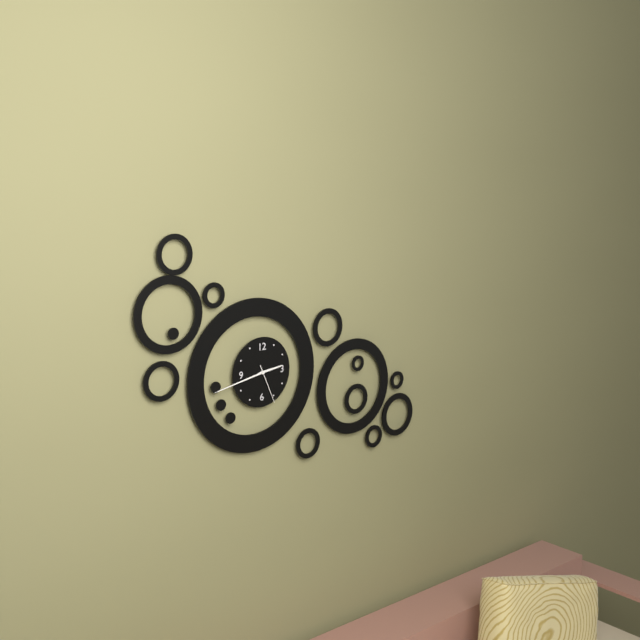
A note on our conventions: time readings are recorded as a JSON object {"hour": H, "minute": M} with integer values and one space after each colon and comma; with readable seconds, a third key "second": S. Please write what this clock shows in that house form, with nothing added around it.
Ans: {"hour": 2, "minute": 43}
